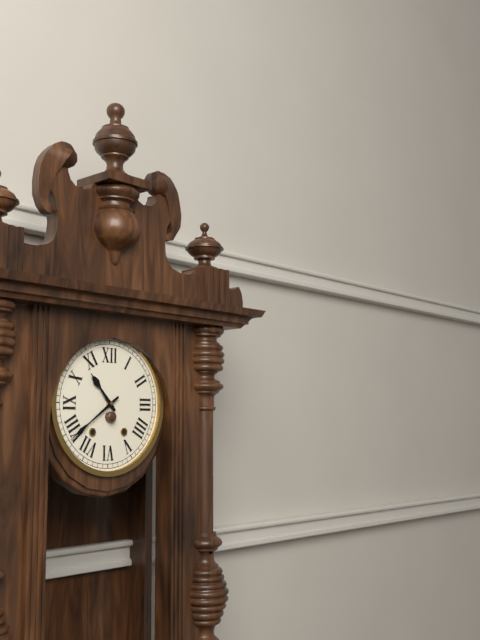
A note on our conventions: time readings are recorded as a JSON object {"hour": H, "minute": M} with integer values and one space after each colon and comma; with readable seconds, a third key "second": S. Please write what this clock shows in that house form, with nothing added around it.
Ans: {"hour": 10, "minute": 39}
